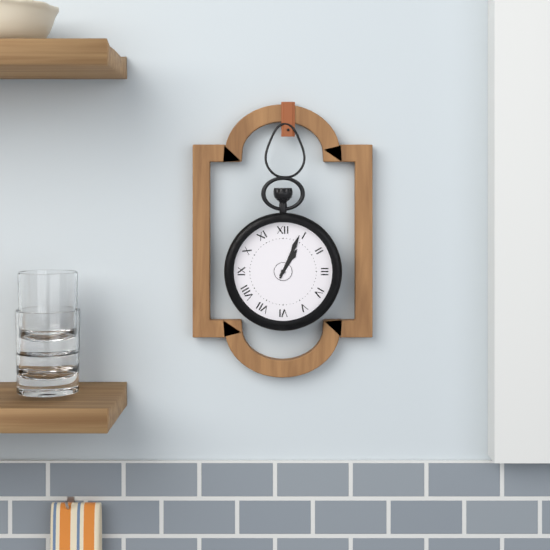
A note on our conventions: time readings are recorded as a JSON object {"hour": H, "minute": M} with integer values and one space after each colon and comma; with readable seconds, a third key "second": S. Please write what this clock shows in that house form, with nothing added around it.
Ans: {"hour": 1, "minute": 4}
